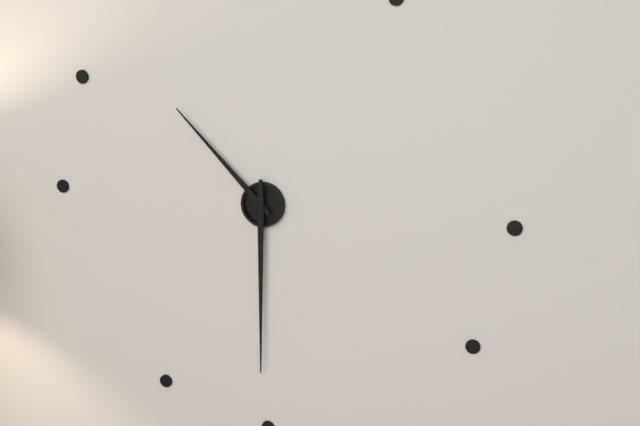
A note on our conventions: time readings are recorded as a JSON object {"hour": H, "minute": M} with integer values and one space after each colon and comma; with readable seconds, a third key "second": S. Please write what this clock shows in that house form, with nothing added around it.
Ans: {"hour": 10, "minute": 30}
